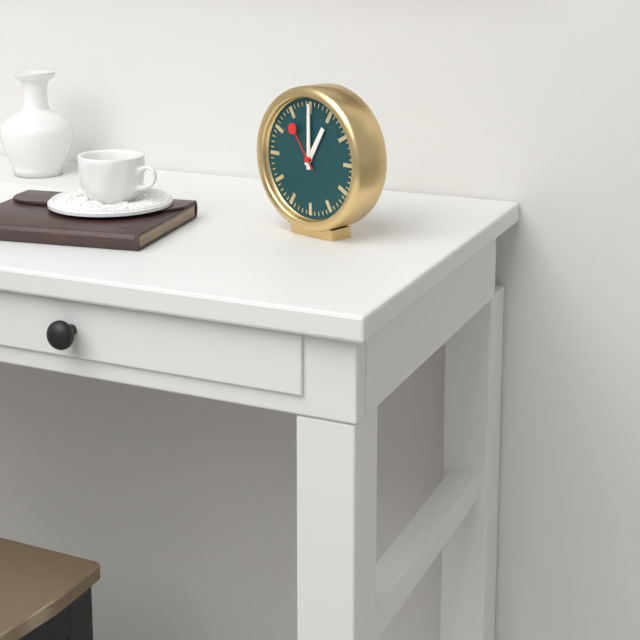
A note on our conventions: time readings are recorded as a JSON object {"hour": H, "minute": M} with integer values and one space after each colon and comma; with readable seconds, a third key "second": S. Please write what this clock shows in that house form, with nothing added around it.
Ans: {"hour": 1, "minute": 0, "second": 54}
